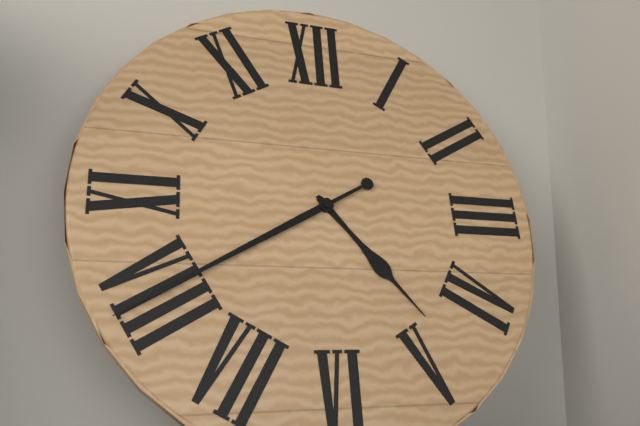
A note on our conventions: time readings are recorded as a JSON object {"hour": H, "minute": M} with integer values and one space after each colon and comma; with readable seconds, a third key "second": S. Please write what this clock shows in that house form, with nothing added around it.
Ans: {"hour": 4, "minute": 40}
